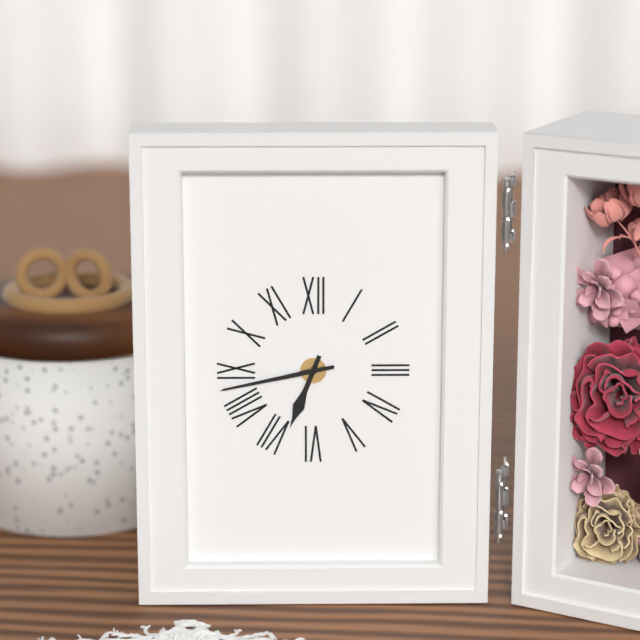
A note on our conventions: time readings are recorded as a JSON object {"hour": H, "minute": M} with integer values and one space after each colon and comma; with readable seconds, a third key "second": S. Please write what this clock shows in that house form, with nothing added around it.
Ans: {"hour": 6, "minute": 43}
